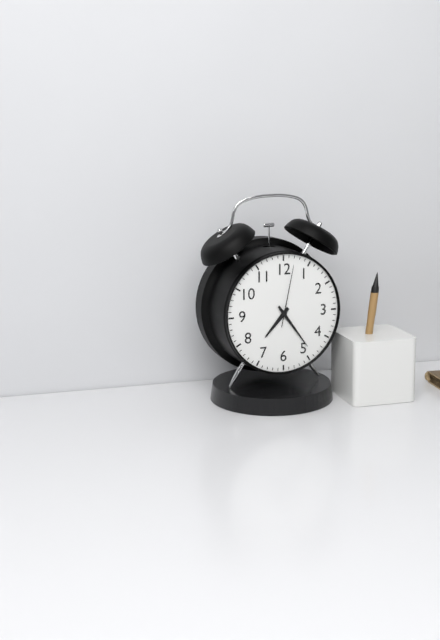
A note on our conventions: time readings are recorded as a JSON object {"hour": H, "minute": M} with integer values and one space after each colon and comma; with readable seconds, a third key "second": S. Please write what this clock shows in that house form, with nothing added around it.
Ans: {"hour": 7, "minute": 24, "second": 2}
